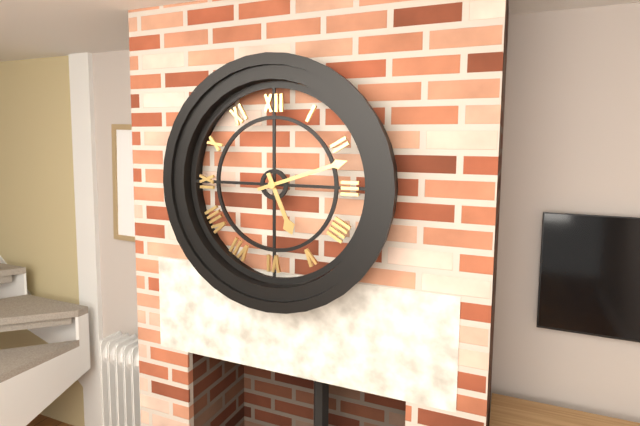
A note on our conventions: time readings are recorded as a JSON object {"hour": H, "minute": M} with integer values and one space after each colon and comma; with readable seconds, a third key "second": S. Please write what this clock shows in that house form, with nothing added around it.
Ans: {"hour": 5, "minute": 12}
